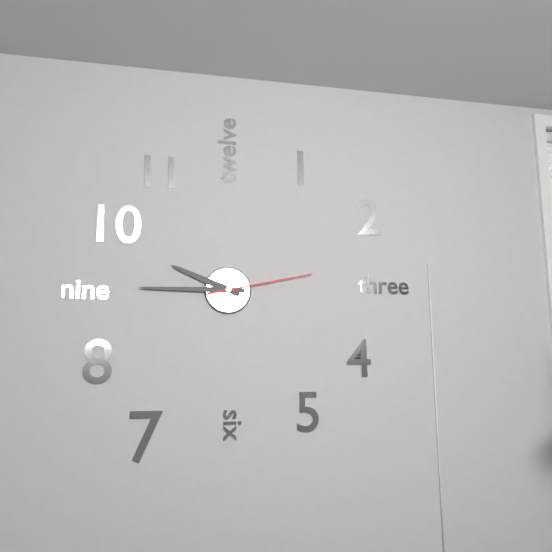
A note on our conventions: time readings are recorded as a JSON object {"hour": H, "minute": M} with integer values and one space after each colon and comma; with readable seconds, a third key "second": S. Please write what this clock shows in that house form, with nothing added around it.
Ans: {"hour": 9, "minute": 45, "second": 13}
